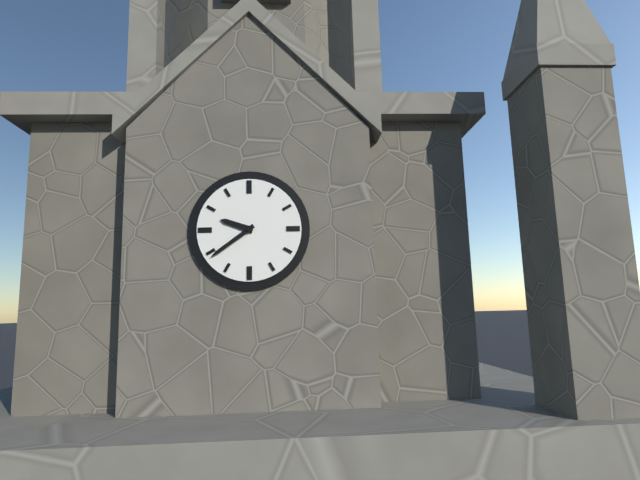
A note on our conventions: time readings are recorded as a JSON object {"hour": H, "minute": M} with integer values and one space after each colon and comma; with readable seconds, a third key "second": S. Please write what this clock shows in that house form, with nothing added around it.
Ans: {"hour": 9, "minute": 39}
